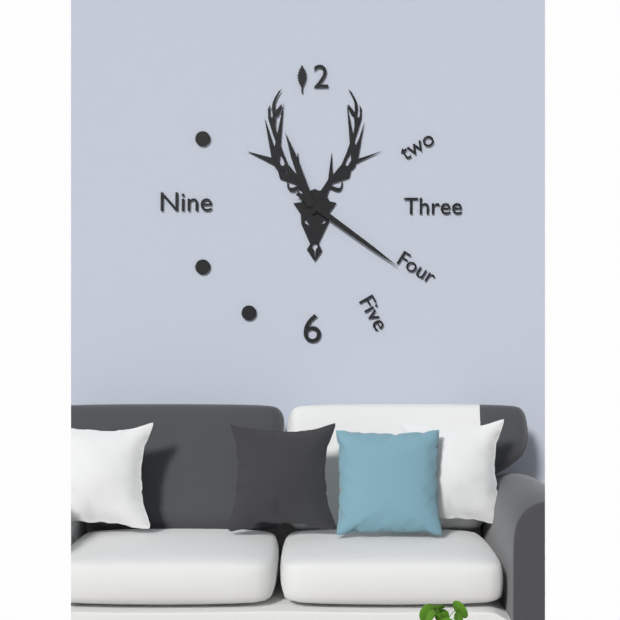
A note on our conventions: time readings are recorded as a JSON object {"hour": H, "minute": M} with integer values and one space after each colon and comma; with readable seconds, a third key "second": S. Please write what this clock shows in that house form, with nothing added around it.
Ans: {"hour": 11, "minute": 21}
